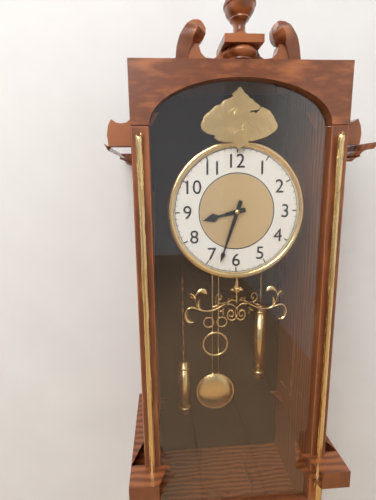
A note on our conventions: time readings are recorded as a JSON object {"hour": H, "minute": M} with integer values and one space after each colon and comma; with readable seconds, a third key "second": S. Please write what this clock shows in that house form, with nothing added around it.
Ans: {"hour": 8, "minute": 33}
